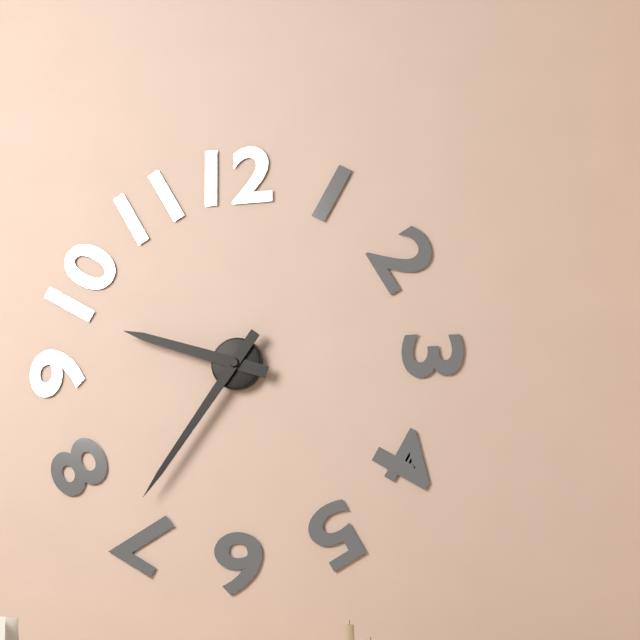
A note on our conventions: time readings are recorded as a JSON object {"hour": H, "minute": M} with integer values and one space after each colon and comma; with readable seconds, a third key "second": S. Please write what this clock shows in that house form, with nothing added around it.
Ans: {"hour": 9, "minute": 36}
